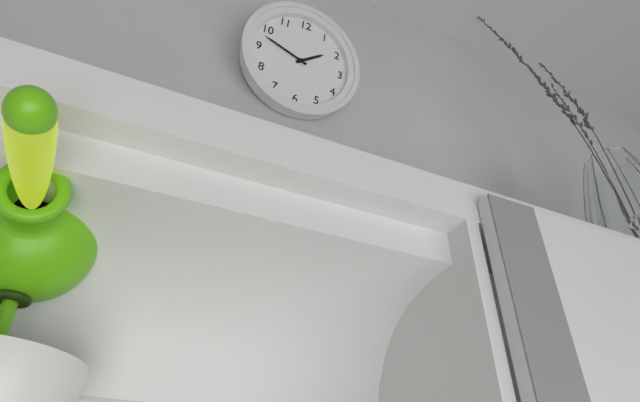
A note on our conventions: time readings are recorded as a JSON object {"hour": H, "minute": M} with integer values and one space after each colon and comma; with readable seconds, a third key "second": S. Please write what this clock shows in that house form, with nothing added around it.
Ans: {"hour": 1, "minute": 48}
